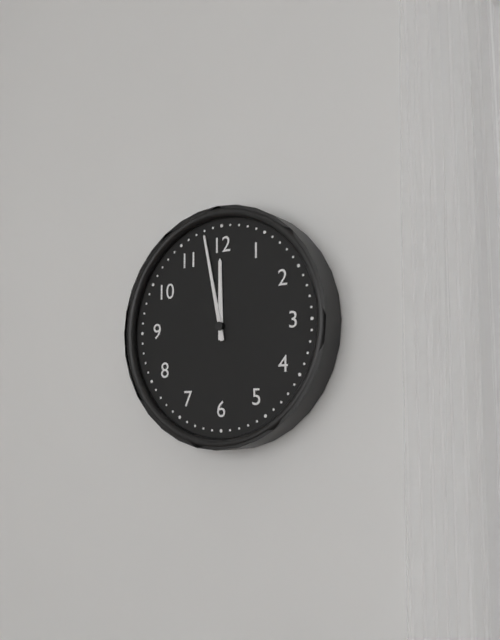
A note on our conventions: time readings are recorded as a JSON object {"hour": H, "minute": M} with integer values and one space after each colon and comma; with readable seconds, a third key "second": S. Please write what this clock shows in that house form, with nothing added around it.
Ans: {"hour": 11, "minute": 58}
